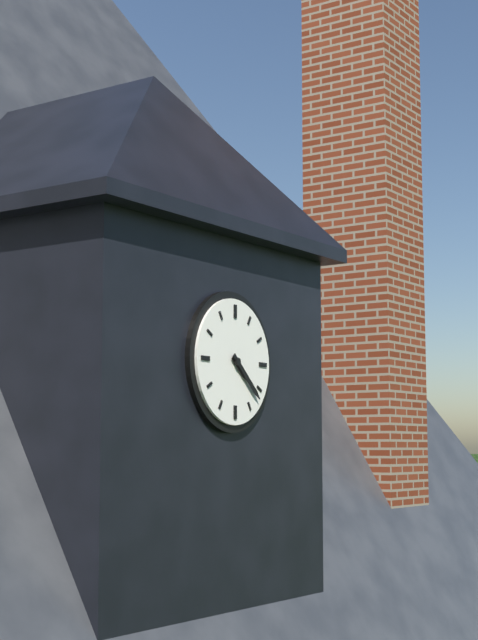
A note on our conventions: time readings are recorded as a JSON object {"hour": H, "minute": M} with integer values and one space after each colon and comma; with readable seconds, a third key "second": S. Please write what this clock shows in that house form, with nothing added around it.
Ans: {"hour": 4, "minute": 22}
